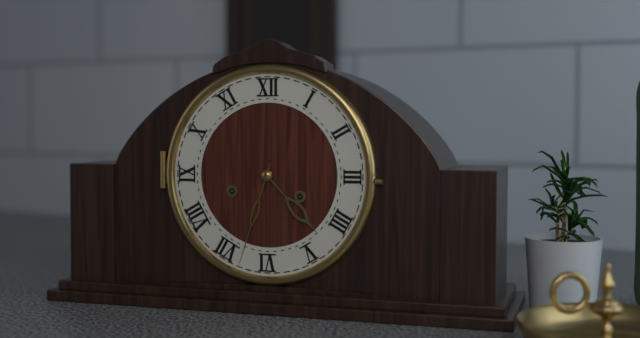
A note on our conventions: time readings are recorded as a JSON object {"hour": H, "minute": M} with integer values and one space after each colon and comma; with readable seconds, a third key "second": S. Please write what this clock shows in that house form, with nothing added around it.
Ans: {"hour": 4, "minute": 33}
